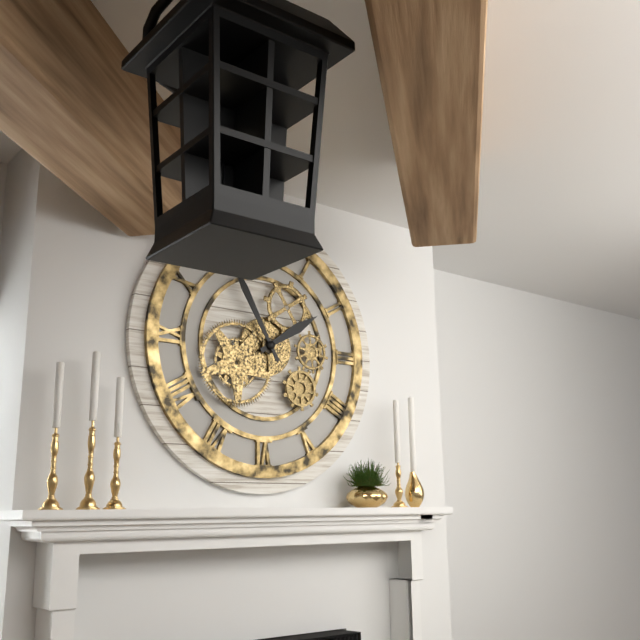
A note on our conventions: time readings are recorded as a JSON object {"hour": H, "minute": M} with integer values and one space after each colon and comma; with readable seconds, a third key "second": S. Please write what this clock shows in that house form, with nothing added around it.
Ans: {"hour": 1, "minute": 55}
